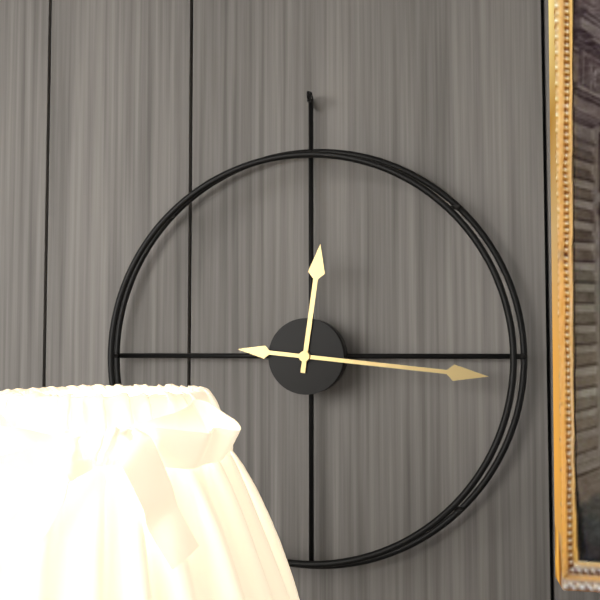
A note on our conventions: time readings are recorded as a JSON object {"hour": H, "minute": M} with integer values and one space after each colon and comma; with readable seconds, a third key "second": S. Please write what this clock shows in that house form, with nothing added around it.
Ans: {"hour": 12, "minute": 16}
